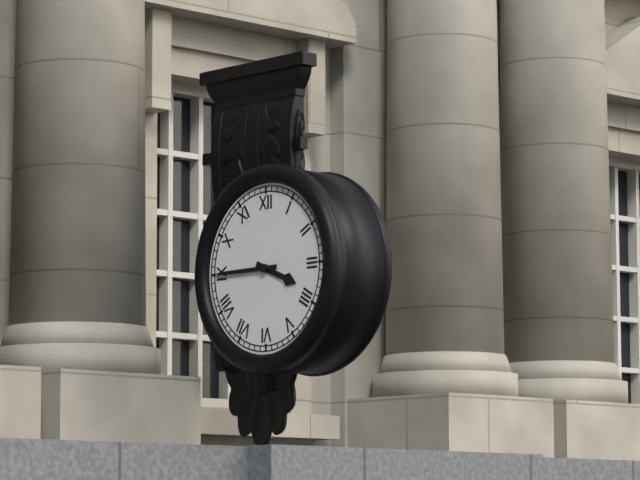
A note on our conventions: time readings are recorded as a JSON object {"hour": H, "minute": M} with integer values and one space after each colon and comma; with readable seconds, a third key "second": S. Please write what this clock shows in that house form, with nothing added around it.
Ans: {"hour": 3, "minute": 45}
